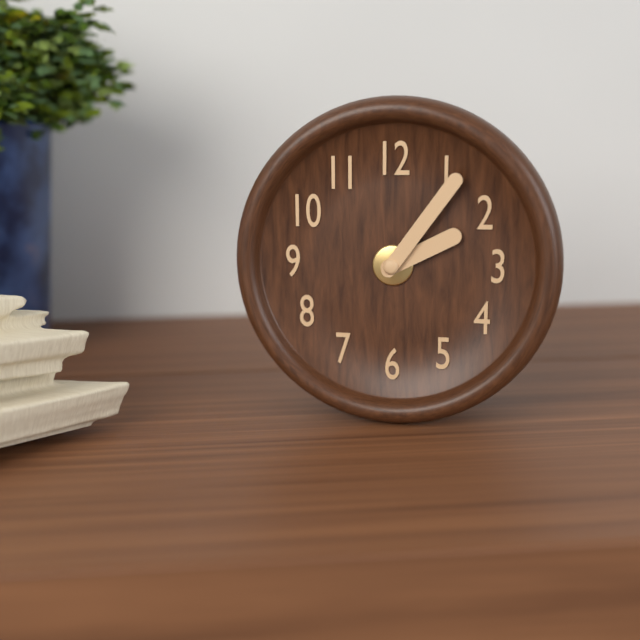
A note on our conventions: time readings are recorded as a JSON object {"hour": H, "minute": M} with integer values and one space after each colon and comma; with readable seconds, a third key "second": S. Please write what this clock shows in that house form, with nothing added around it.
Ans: {"hour": 2, "minute": 6}
